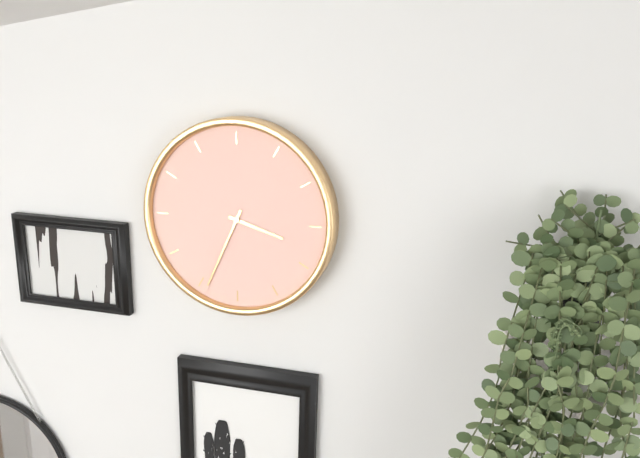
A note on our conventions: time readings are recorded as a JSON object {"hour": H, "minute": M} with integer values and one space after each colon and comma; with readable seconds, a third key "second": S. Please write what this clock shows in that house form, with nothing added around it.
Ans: {"hour": 3, "minute": 34}
